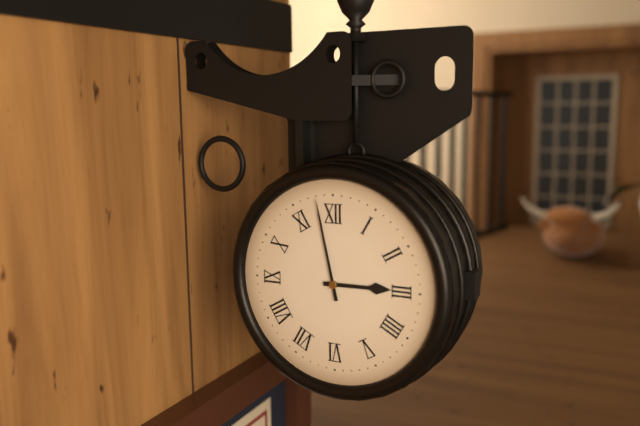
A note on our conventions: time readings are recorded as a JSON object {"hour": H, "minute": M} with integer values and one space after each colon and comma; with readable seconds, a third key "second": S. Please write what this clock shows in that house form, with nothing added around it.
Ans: {"hour": 2, "minute": 58}
